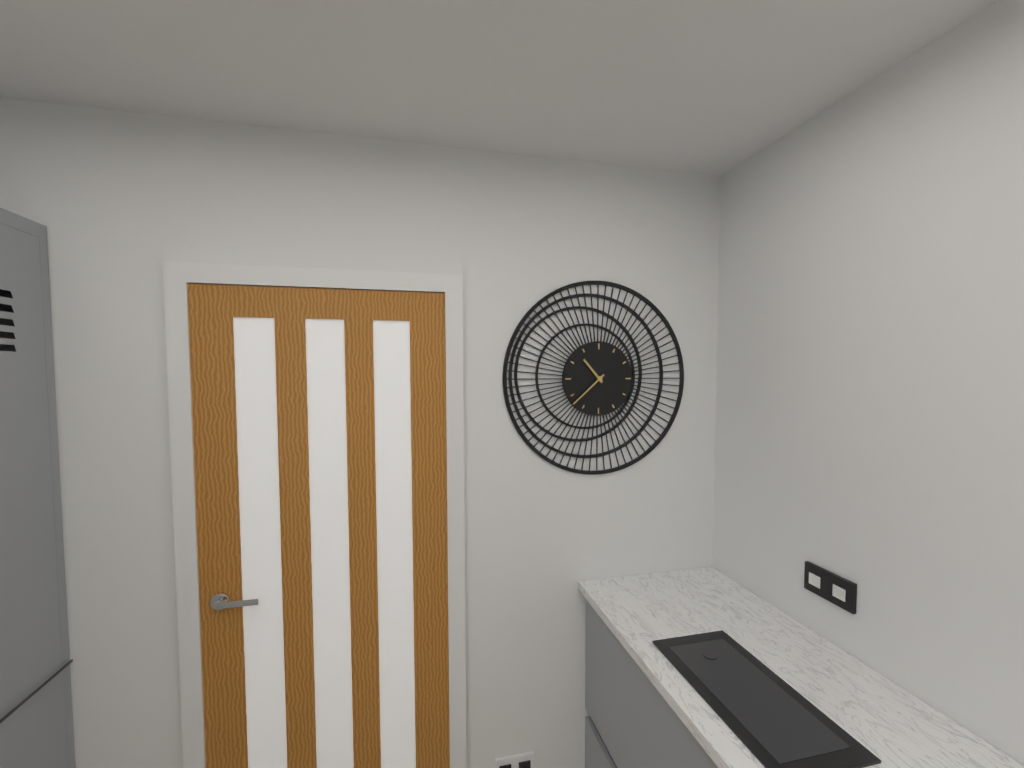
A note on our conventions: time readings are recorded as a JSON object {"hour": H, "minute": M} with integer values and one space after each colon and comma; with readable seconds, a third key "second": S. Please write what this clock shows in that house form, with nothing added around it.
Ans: {"hour": 10, "minute": 38}
